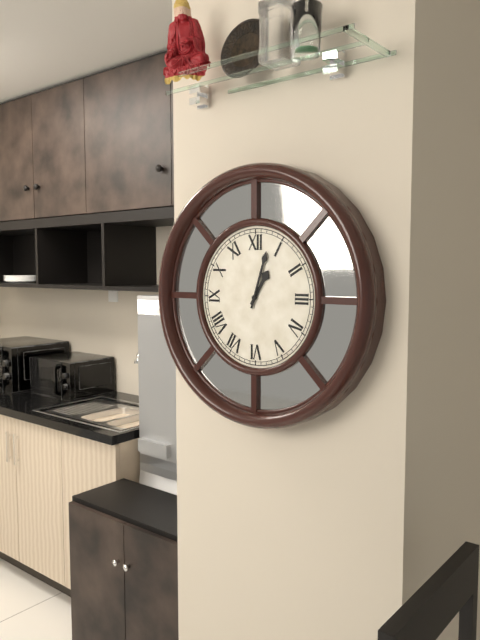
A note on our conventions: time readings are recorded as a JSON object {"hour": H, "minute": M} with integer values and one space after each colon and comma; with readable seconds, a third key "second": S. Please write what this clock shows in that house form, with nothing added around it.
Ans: {"hour": 1, "minute": 3}
